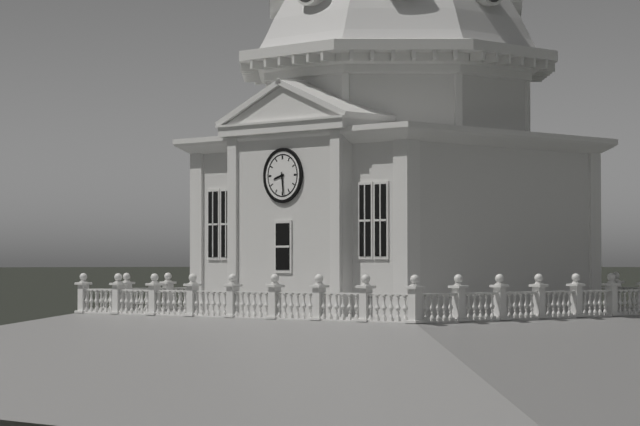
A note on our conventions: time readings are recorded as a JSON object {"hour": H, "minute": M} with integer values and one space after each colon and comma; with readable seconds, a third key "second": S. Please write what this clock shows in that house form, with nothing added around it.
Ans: {"hour": 8, "minute": 29}
